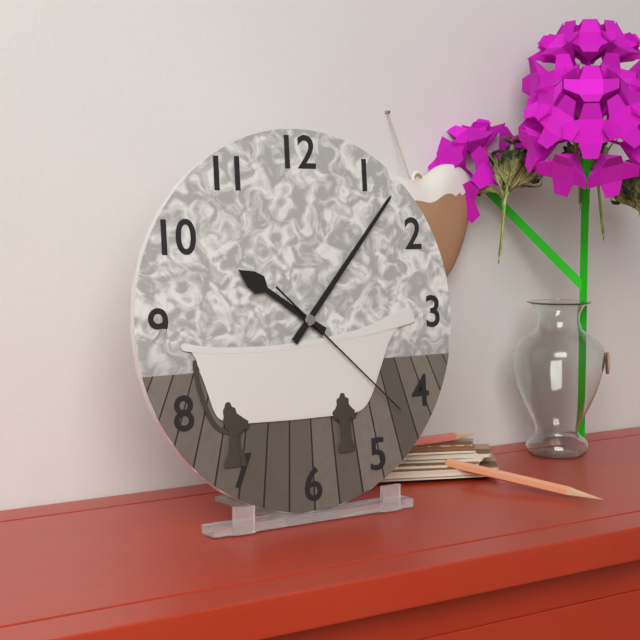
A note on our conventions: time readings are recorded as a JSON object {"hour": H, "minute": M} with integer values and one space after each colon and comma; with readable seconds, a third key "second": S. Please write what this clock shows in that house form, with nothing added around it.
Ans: {"hour": 10, "minute": 7, "second": 22}
